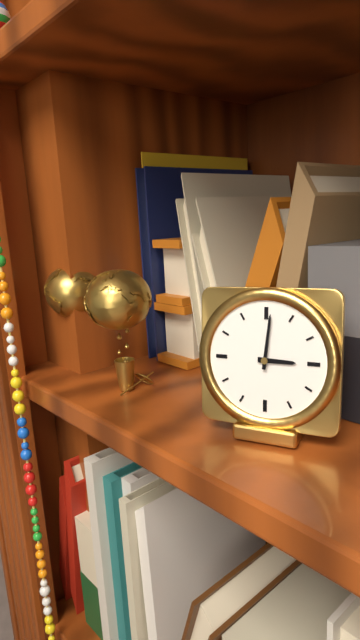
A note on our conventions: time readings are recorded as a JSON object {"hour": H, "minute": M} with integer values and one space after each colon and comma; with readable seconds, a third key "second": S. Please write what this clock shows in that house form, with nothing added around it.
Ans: {"hour": 3, "minute": 1}
